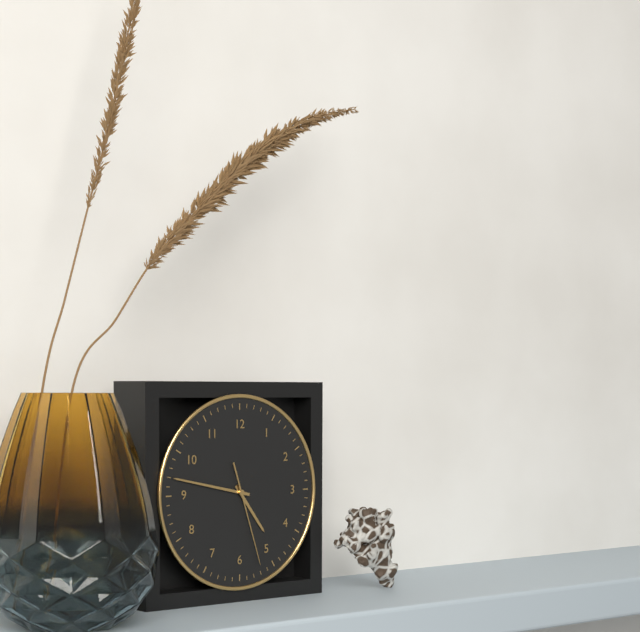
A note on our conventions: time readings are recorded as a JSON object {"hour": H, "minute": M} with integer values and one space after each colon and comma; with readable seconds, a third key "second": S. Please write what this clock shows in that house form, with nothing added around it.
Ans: {"hour": 4, "minute": 47, "second": 27}
